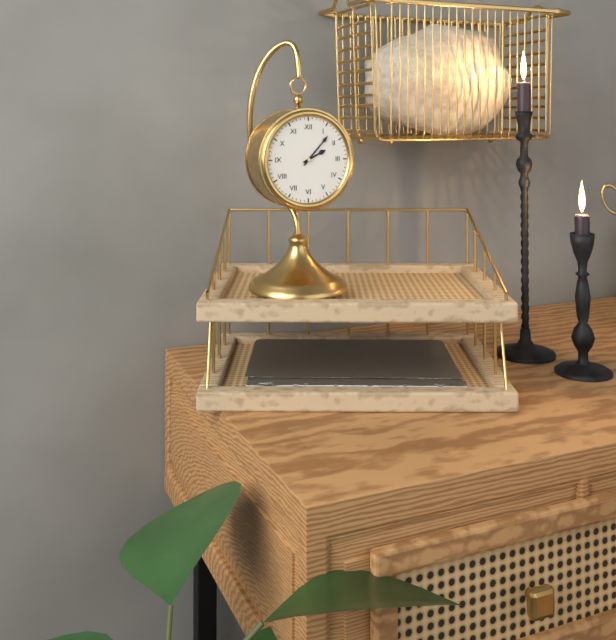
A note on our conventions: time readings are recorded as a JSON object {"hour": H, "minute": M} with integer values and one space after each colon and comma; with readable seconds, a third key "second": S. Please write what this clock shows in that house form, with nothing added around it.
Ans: {"hour": 2, "minute": 7}
